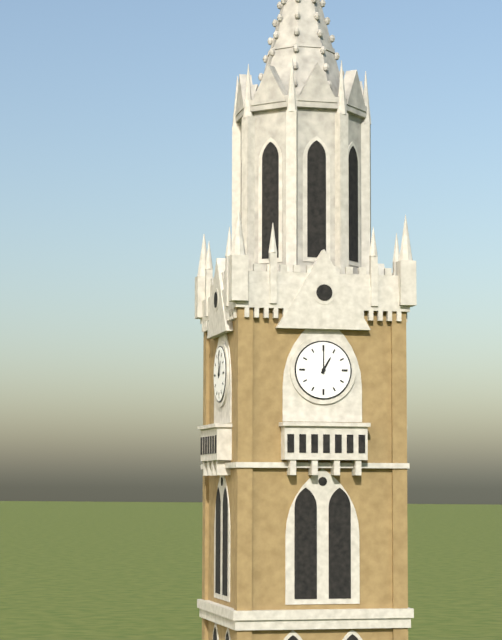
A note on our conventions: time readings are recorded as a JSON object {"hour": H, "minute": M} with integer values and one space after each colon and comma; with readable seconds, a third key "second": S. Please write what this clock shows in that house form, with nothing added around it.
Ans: {"hour": 1, "minute": 0}
